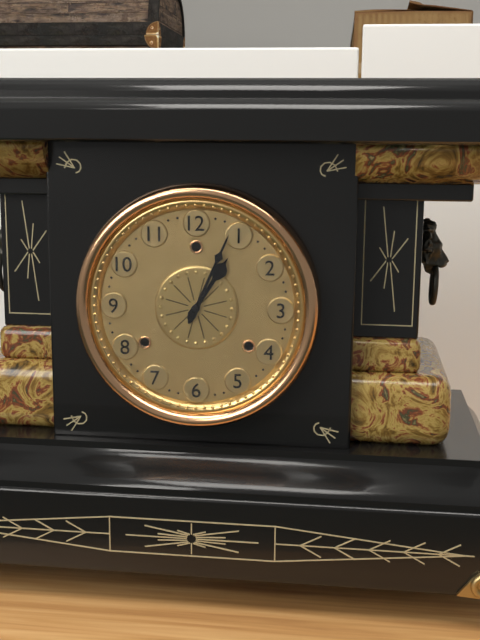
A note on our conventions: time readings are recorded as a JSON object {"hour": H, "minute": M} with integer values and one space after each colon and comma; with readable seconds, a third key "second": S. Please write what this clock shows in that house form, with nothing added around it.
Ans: {"hour": 1, "minute": 4}
